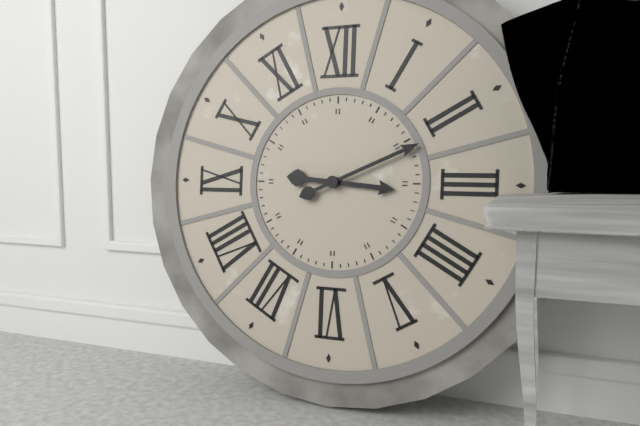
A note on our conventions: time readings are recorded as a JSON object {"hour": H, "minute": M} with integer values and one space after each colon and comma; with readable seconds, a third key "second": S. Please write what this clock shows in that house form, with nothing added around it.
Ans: {"hour": 3, "minute": 11}
